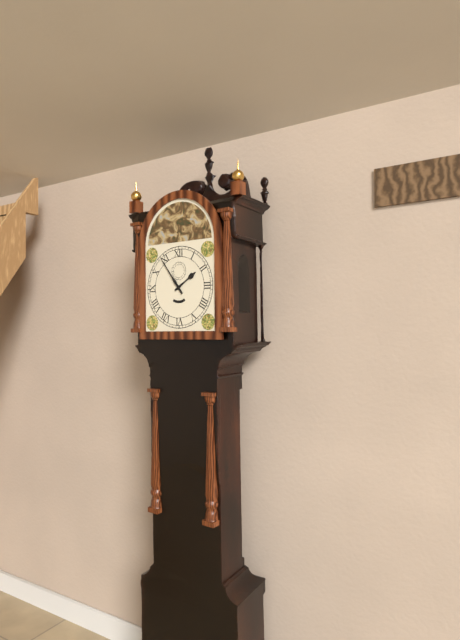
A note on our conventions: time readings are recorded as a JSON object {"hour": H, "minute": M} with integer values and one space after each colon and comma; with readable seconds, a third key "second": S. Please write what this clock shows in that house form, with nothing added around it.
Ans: {"hour": 1, "minute": 54}
